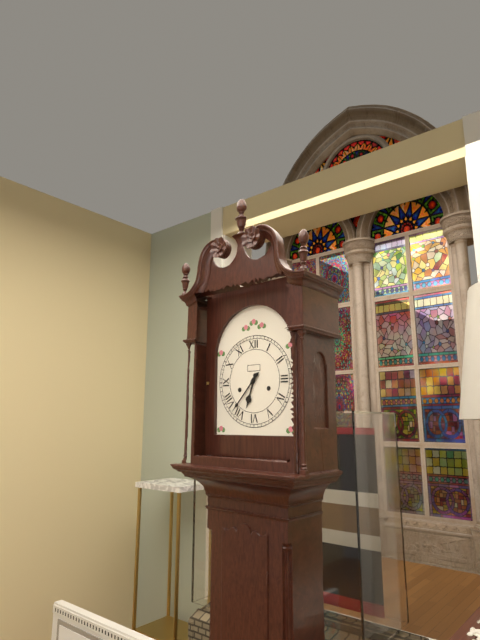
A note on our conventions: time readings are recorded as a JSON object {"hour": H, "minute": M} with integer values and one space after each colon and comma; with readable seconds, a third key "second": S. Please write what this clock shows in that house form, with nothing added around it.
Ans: {"hour": 6, "minute": 37}
